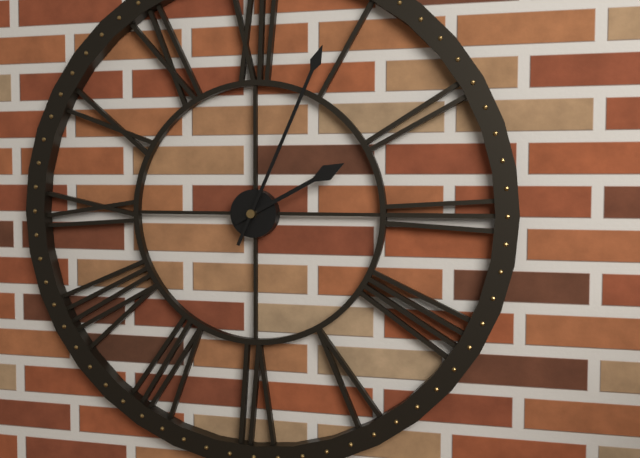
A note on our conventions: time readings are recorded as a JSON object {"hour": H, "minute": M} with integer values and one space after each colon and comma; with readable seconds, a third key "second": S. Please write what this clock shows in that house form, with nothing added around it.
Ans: {"hour": 2, "minute": 4}
